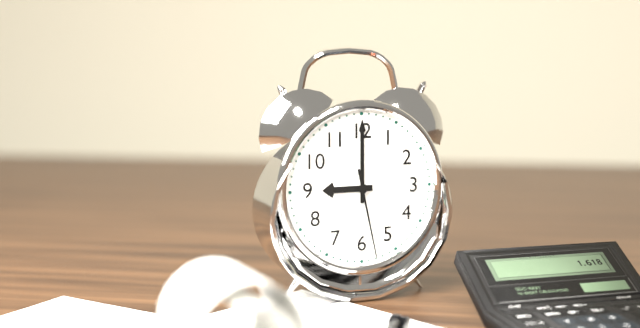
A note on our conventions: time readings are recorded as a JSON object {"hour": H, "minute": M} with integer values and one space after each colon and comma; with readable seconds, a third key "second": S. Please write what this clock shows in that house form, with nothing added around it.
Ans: {"hour": 9, "minute": 0, "second": 28}
